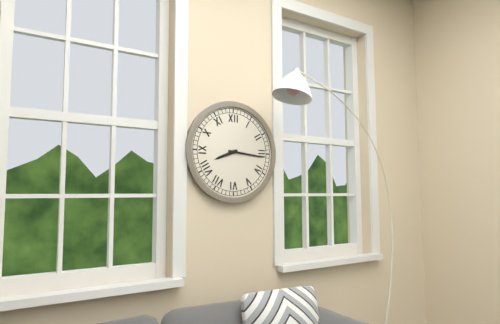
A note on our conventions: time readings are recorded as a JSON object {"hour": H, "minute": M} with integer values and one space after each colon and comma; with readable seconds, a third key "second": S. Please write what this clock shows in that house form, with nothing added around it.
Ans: {"hour": 8, "minute": 16}
